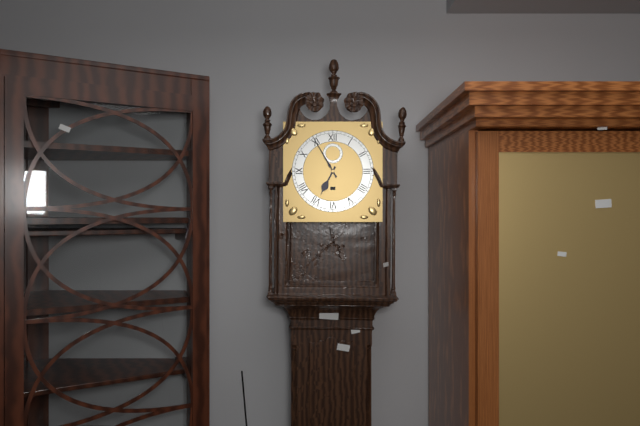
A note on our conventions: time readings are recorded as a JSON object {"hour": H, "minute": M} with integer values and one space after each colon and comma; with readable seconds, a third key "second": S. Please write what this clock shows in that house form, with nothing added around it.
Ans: {"hour": 6, "minute": 55}
